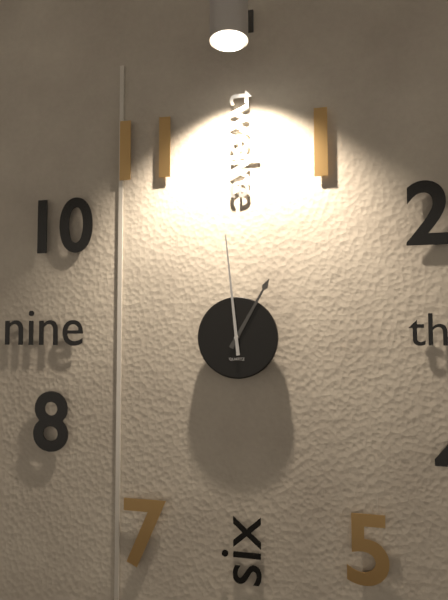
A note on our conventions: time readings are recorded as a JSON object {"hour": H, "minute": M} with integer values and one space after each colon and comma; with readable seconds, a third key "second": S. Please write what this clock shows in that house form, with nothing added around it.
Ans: {"hour": 12, "minute": 59}
